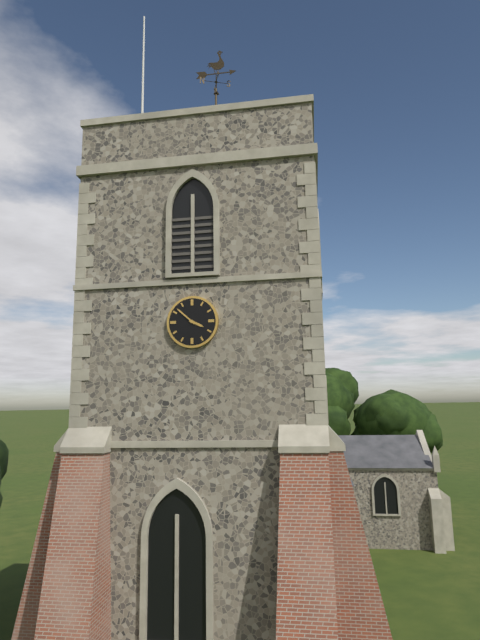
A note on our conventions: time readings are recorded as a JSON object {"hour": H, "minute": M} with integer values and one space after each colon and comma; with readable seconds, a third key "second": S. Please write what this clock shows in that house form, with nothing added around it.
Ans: {"hour": 3, "minute": 52}
